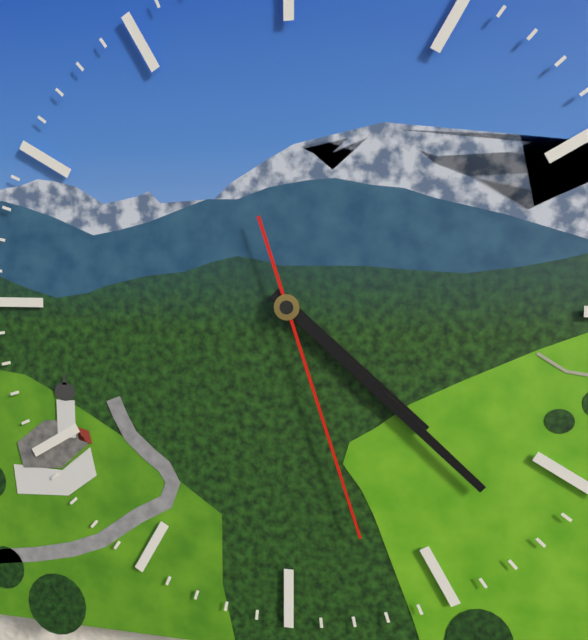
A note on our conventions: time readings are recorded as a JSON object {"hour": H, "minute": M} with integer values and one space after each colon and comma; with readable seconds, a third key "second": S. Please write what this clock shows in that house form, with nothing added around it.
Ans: {"hour": 4, "minute": 22, "second": 27}
